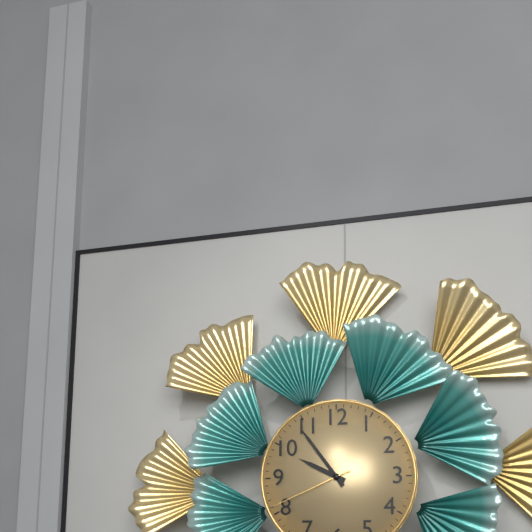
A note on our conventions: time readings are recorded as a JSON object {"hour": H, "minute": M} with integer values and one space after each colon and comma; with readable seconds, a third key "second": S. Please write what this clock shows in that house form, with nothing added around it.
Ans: {"hour": 9, "minute": 54, "second": 41}
